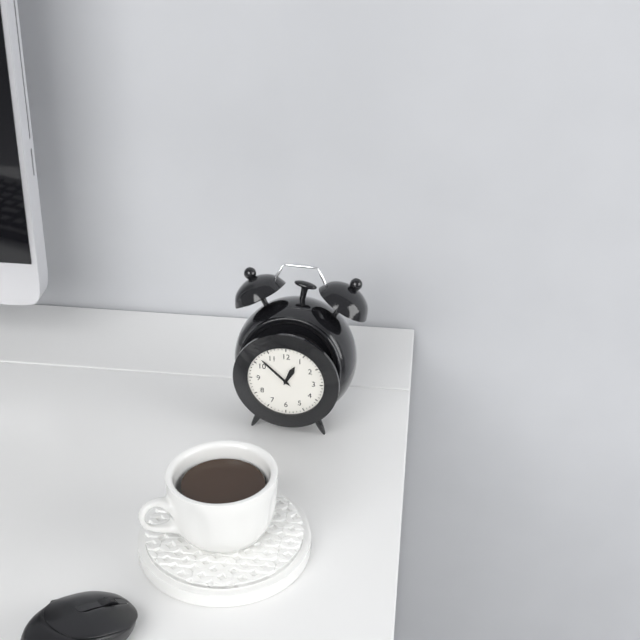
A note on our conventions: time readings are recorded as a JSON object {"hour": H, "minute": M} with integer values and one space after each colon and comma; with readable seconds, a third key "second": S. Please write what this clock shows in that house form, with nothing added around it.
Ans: {"hour": 12, "minute": 52}
